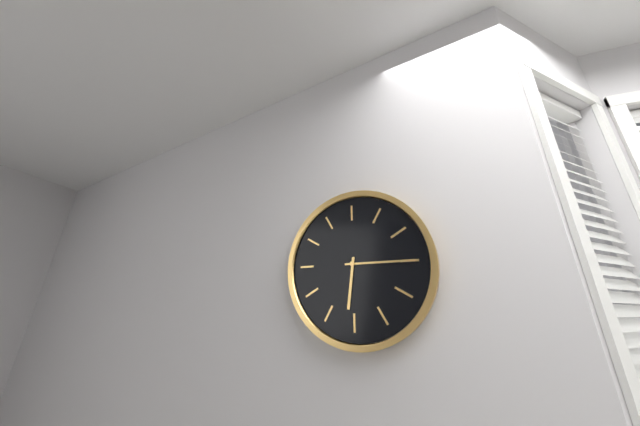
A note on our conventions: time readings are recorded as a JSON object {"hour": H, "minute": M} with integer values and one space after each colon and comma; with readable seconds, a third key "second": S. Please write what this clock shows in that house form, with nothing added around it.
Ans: {"hour": 6, "minute": 15}
